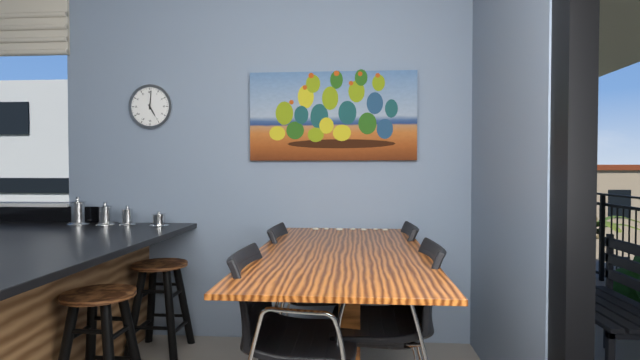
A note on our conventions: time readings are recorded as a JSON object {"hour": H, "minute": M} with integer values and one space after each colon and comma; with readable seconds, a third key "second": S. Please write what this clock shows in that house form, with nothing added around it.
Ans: {"hour": 5, "minute": 1}
